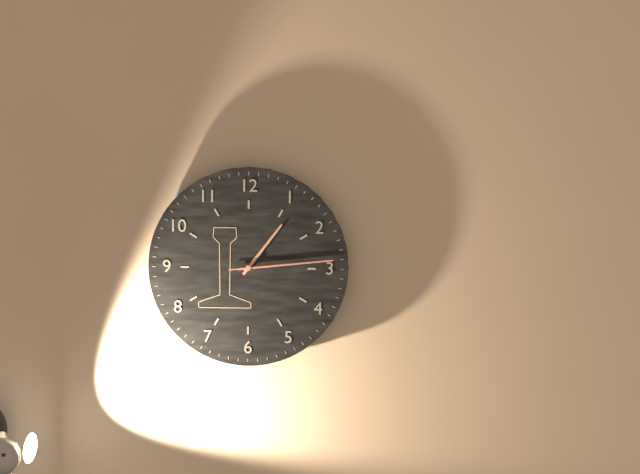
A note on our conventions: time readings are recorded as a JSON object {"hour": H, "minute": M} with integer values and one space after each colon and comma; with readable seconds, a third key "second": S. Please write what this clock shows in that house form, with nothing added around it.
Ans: {"hour": 1, "minute": 14, "second": 14}
